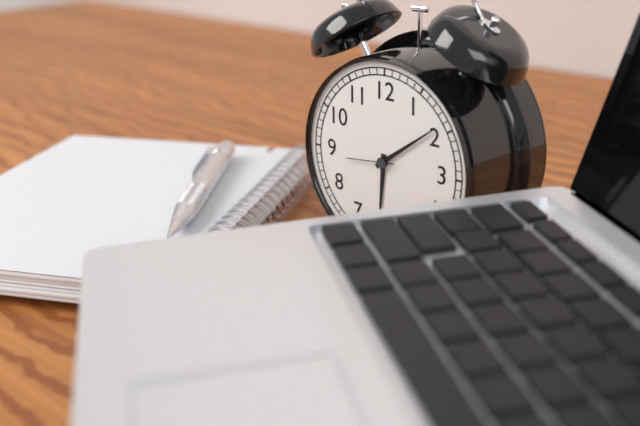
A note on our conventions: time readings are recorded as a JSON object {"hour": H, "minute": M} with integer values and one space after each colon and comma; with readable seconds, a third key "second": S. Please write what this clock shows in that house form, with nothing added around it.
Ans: {"hour": 6, "minute": 9, "second": 44}
